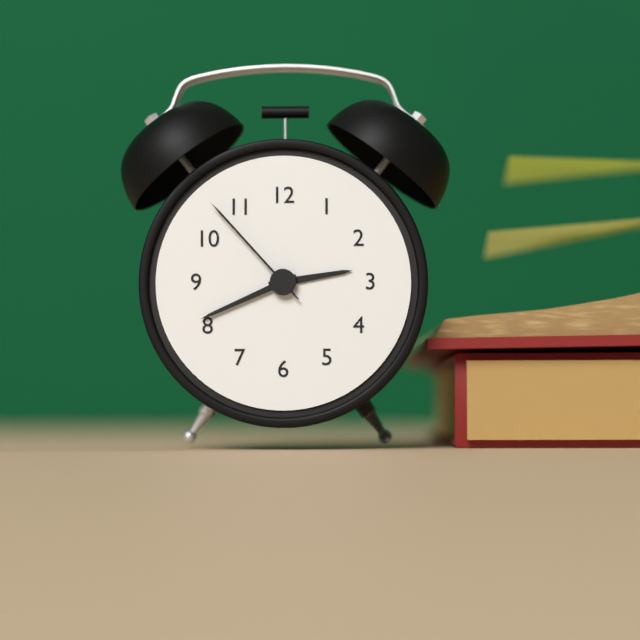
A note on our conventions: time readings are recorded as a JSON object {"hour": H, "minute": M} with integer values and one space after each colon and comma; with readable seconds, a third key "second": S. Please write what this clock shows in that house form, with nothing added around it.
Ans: {"hour": 2, "minute": 41, "second": 53}
